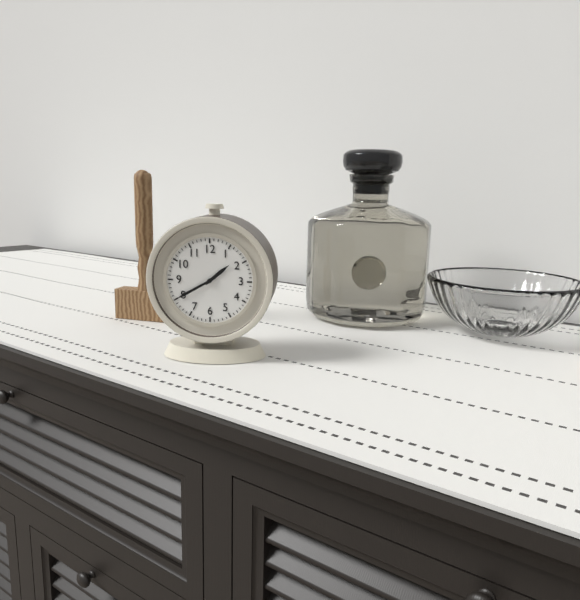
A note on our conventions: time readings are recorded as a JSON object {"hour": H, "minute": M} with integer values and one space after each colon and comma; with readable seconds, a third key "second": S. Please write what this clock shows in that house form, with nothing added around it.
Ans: {"hour": 1, "minute": 40}
